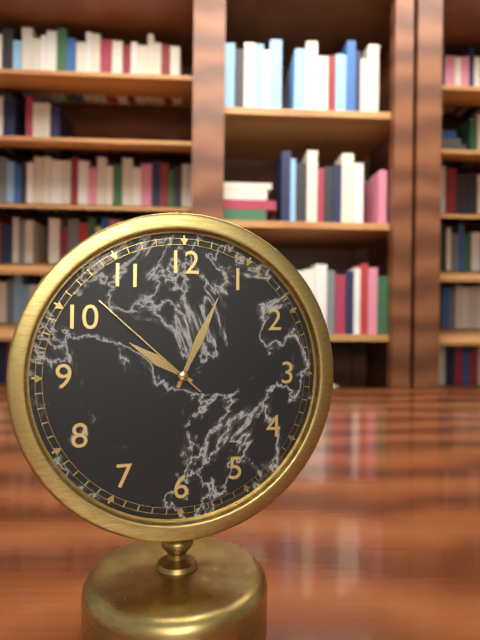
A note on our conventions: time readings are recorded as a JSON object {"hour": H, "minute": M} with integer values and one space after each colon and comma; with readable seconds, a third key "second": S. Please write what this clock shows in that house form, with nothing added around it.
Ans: {"hour": 10, "minute": 4, "second": 52}
